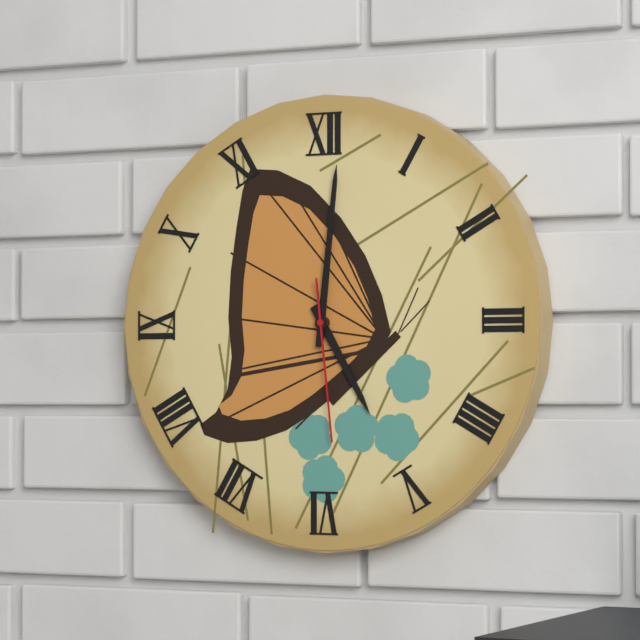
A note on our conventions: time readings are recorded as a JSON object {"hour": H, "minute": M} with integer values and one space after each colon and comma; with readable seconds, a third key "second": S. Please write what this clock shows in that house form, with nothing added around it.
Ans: {"hour": 5, "minute": 1, "second": 29}
